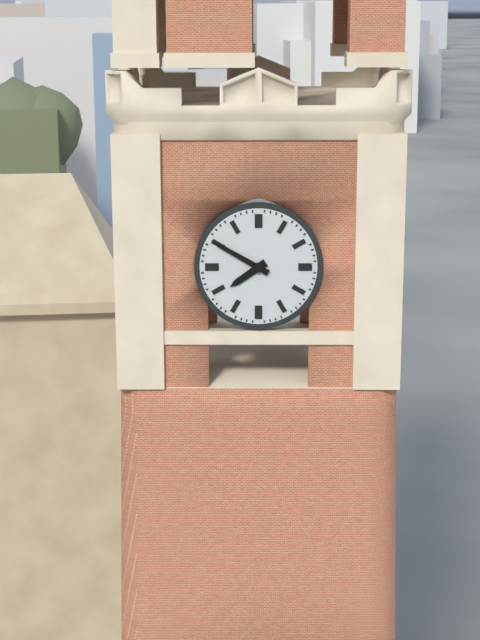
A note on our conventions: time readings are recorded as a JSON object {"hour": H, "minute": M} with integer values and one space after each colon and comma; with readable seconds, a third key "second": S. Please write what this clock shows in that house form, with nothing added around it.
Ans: {"hour": 7, "minute": 50}
